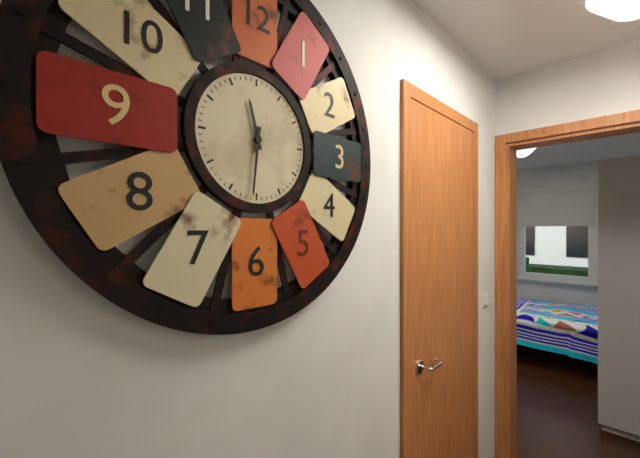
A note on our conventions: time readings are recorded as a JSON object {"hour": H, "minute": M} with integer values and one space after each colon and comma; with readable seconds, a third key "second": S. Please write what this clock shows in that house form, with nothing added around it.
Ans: {"hour": 11, "minute": 31}
